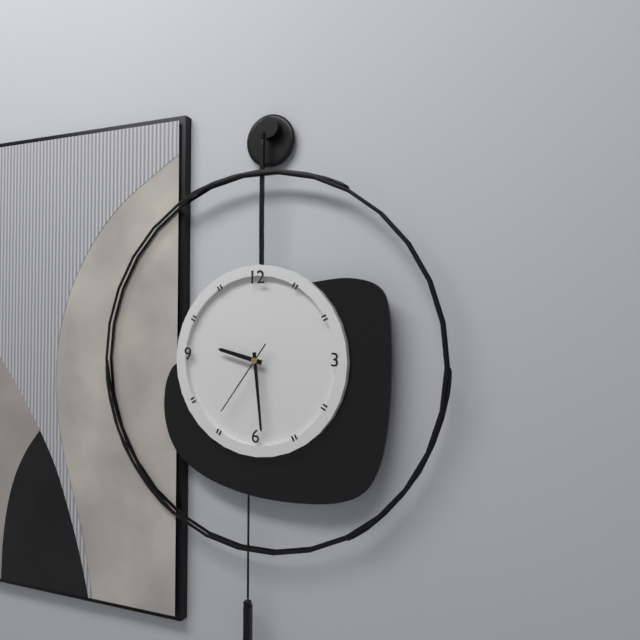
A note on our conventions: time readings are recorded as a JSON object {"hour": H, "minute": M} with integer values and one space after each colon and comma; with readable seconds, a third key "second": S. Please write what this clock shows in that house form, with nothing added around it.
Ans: {"hour": 9, "minute": 29, "second": 36}
